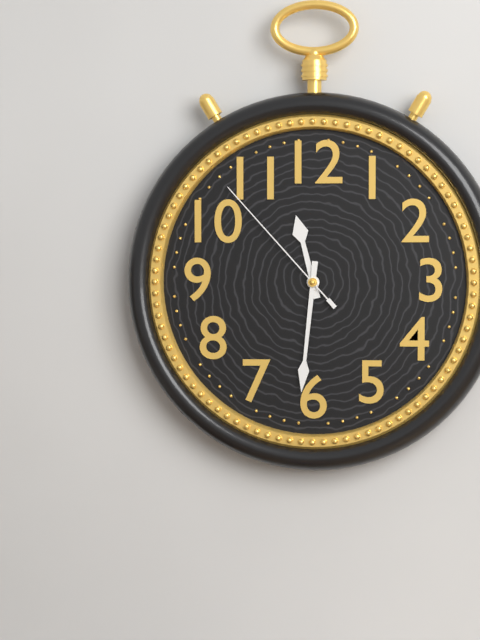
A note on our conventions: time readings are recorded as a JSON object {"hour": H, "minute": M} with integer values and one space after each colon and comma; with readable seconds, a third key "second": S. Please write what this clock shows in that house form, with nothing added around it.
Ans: {"hour": 11, "minute": 31, "second": 53}
